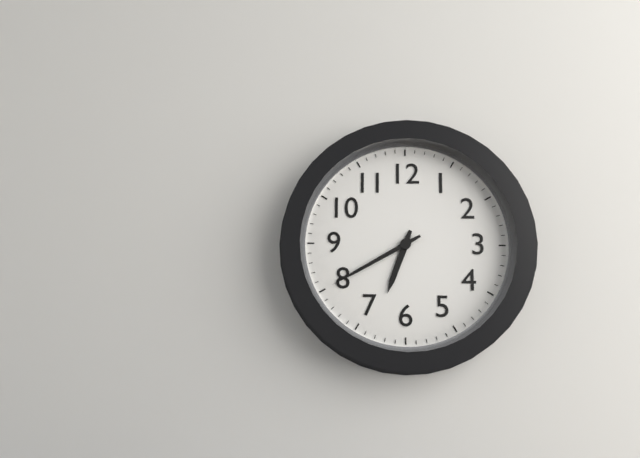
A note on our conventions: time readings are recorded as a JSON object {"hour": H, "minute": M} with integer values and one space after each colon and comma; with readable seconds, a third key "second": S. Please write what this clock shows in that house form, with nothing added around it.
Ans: {"hour": 6, "minute": 40}
